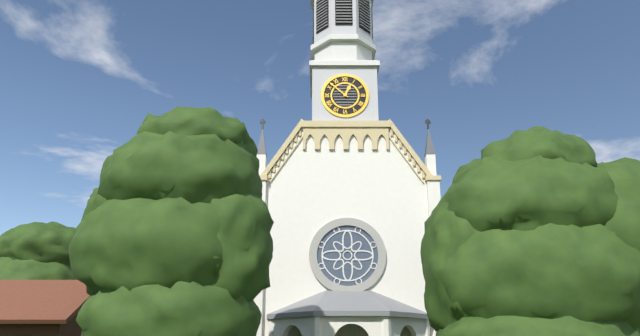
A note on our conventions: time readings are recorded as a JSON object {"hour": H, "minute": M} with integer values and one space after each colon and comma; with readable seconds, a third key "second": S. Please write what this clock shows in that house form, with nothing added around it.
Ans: {"hour": 12, "minute": 52}
